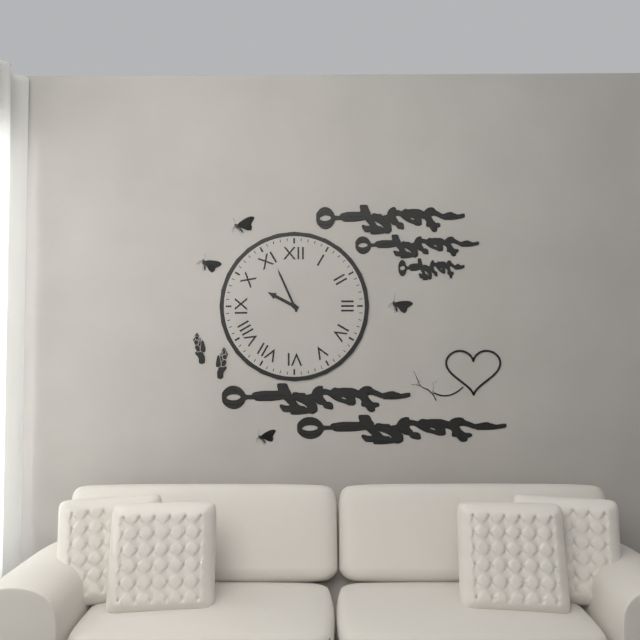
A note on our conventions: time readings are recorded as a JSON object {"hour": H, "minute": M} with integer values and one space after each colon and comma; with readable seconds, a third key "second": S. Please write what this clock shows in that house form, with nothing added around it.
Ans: {"hour": 9, "minute": 56}
